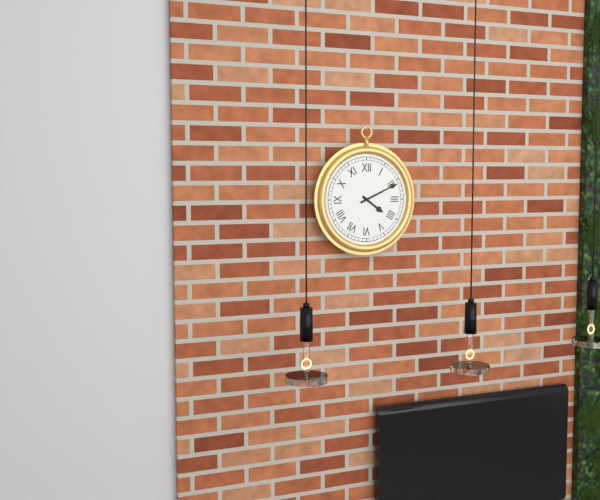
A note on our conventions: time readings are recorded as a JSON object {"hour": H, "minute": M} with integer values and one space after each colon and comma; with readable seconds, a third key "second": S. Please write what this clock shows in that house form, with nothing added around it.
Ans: {"hour": 4, "minute": 11}
